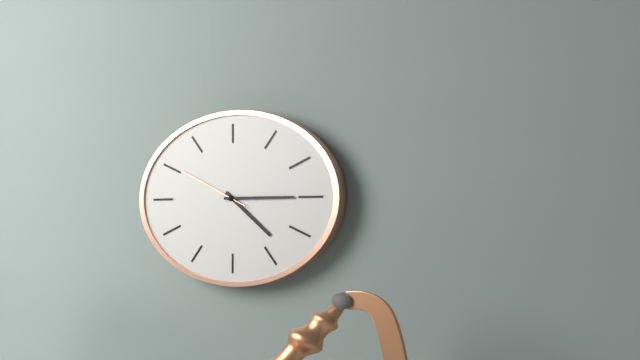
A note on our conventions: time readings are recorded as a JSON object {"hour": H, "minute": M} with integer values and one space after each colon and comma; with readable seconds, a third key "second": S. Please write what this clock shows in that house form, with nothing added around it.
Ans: {"hour": 4, "minute": 15, "second": 49}
